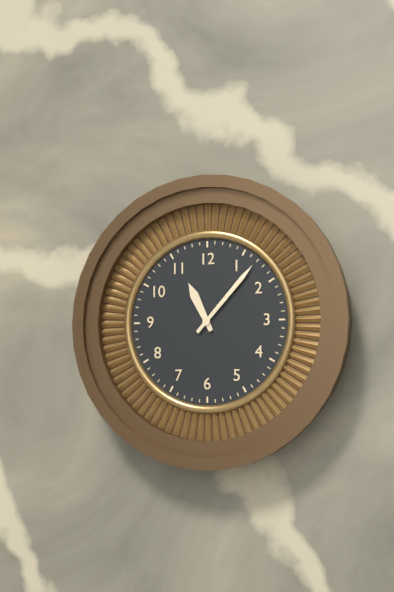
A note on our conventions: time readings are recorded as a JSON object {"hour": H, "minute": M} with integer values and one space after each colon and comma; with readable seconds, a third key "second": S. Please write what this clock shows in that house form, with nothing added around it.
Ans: {"hour": 11, "minute": 7}
